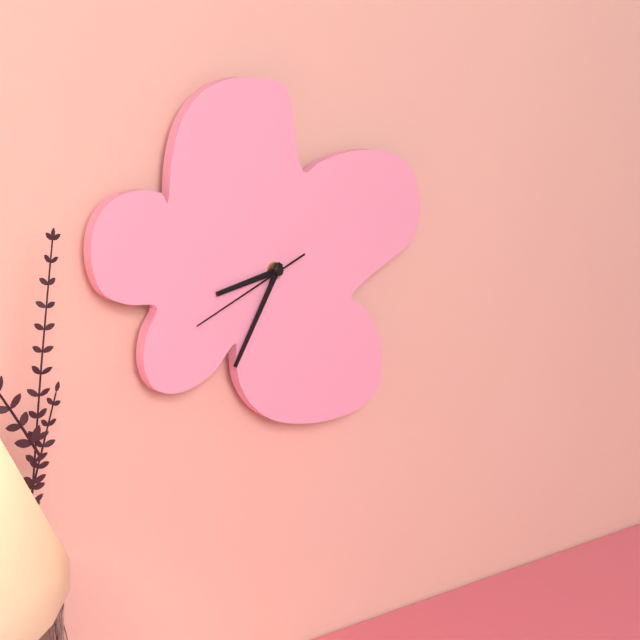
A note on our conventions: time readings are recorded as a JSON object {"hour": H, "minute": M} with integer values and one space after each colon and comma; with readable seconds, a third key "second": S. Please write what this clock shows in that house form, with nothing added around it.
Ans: {"hour": 8, "minute": 35, "second": 41}
